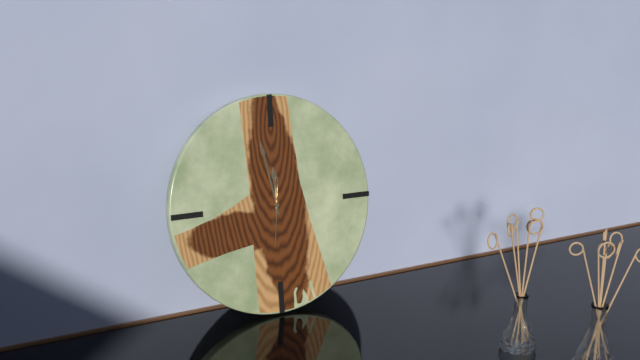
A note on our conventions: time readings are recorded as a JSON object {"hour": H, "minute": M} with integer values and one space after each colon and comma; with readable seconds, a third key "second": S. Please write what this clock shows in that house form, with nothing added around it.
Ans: {"hour": 11, "minute": 58, "second": 31}
